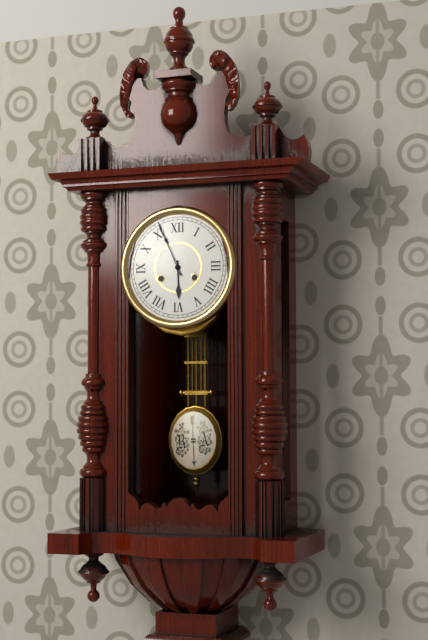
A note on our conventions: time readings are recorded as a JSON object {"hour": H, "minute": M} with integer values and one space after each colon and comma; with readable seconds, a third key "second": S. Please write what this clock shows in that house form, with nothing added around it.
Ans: {"hour": 5, "minute": 56}
